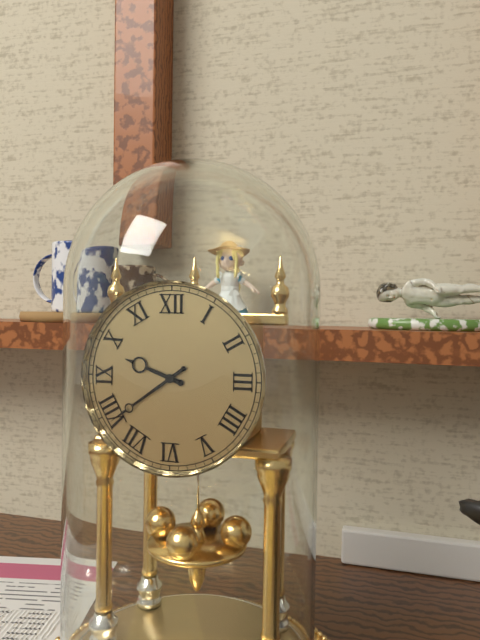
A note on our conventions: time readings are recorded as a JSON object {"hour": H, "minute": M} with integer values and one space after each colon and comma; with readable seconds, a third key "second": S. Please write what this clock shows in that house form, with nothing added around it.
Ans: {"hour": 9, "minute": 39}
